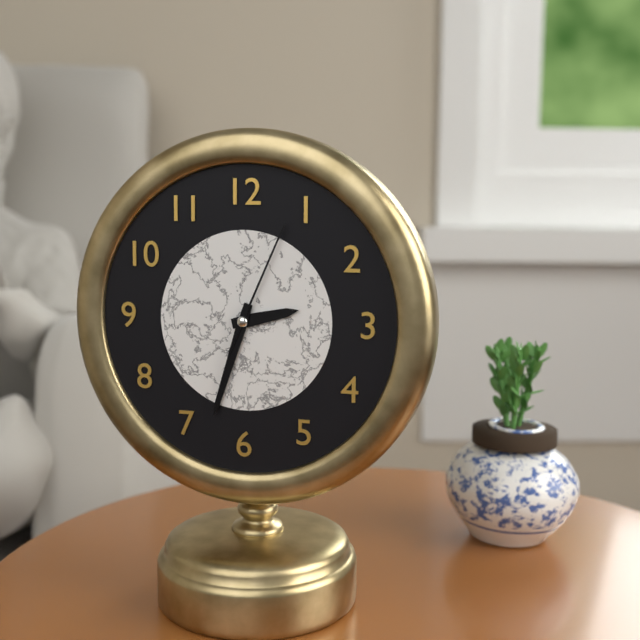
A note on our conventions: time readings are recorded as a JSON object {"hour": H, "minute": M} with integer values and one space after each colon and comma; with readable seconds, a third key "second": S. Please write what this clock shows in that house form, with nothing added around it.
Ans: {"hour": 2, "minute": 33, "second": 4}
